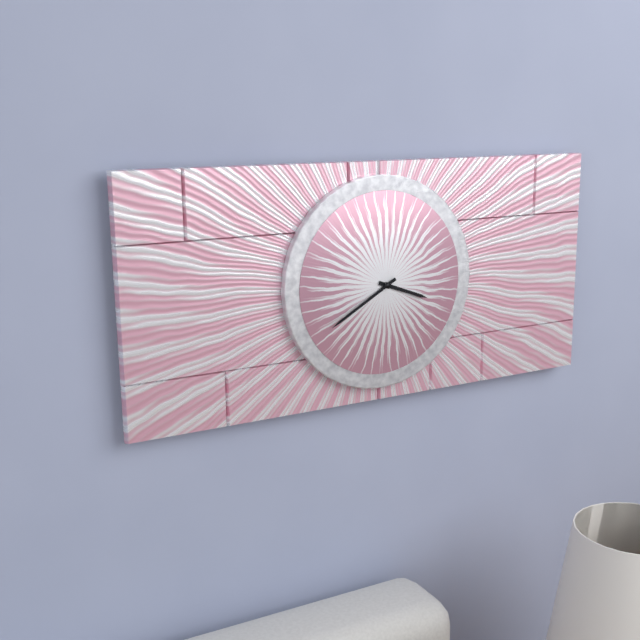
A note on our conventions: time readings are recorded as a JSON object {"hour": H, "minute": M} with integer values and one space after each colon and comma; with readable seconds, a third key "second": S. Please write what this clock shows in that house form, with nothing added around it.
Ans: {"hour": 3, "minute": 40}
